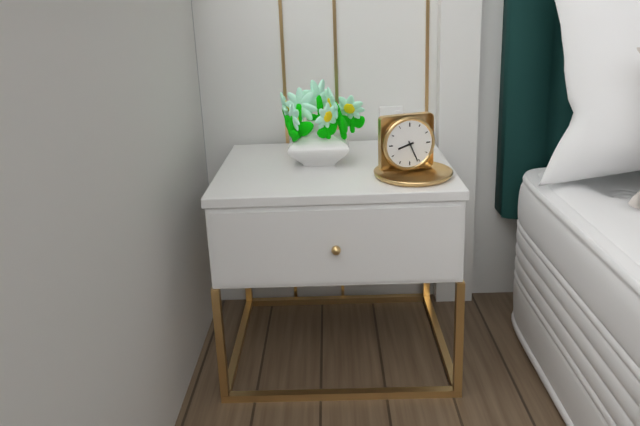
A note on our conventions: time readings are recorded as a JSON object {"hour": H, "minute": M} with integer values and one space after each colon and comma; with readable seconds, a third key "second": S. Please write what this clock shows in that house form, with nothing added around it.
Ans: {"hour": 8, "minute": 26}
